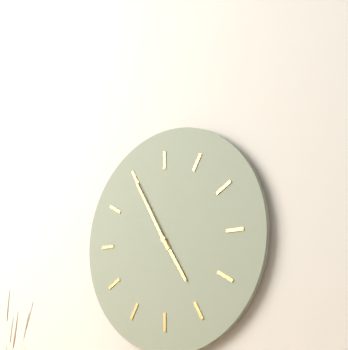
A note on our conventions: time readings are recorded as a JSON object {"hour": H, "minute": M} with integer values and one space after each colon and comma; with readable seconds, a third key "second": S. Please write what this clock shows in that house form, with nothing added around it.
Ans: {"hour": 4, "minute": 55}
